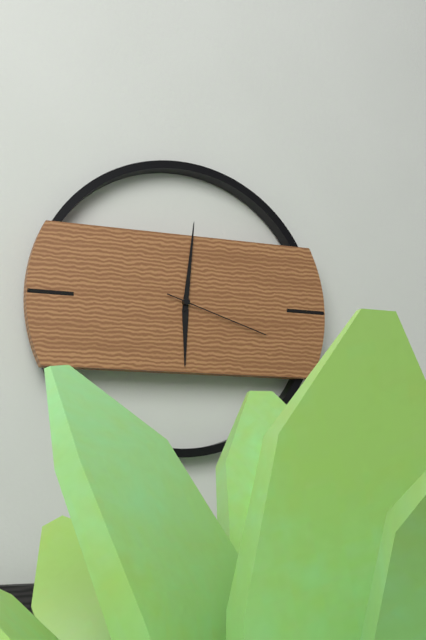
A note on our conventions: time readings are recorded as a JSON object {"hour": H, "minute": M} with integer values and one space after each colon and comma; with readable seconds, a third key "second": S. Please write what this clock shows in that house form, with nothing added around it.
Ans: {"hour": 6, "minute": 1, "second": 18}
